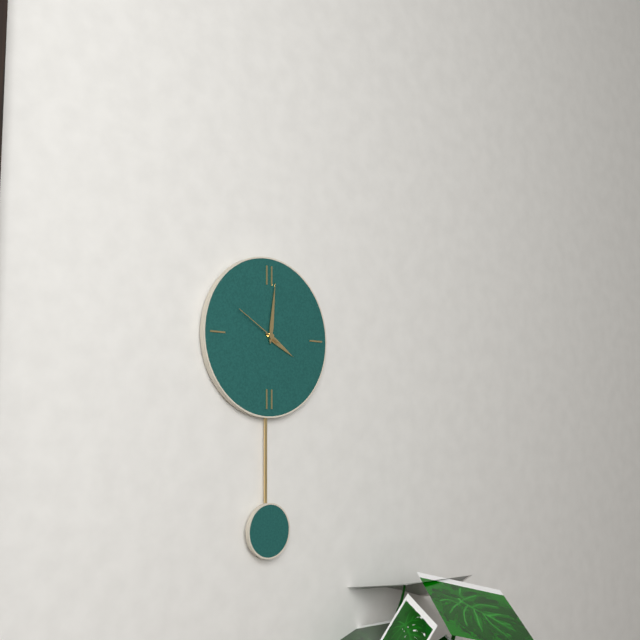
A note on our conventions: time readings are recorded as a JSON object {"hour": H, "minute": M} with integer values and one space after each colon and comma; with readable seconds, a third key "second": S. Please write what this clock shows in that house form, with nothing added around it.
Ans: {"hour": 4, "minute": 1}
